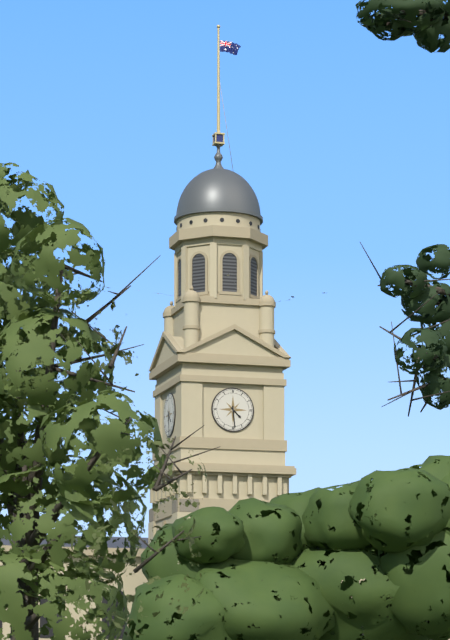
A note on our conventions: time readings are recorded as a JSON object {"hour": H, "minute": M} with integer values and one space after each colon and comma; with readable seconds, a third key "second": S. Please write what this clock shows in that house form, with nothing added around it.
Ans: {"hour": 4, "minute": 29}
